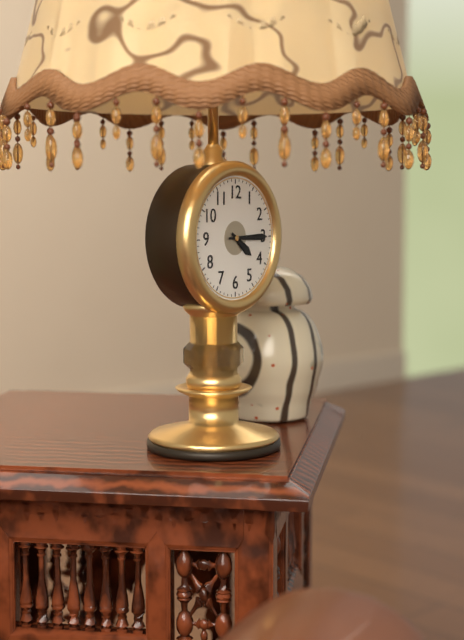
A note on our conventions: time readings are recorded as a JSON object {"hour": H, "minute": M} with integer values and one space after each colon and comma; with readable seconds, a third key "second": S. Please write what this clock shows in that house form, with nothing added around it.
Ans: {"hour": 4, "minute": 15}
